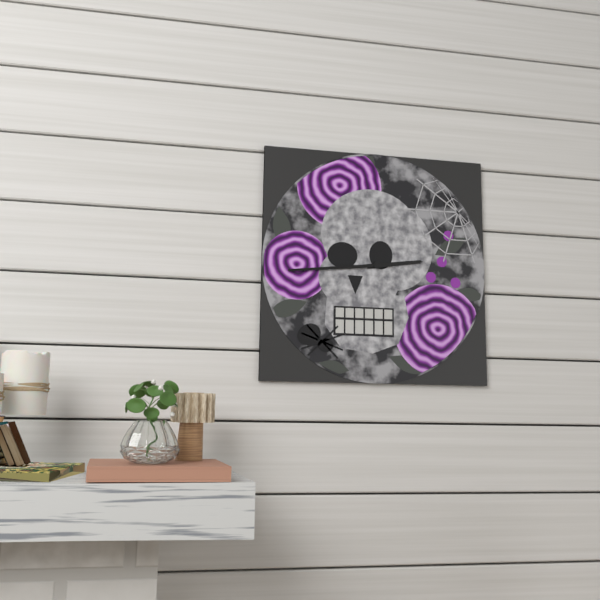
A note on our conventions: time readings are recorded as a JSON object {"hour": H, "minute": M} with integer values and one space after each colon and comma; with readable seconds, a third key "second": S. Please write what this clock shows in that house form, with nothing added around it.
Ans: {"hour": 2, "minute": 44}
